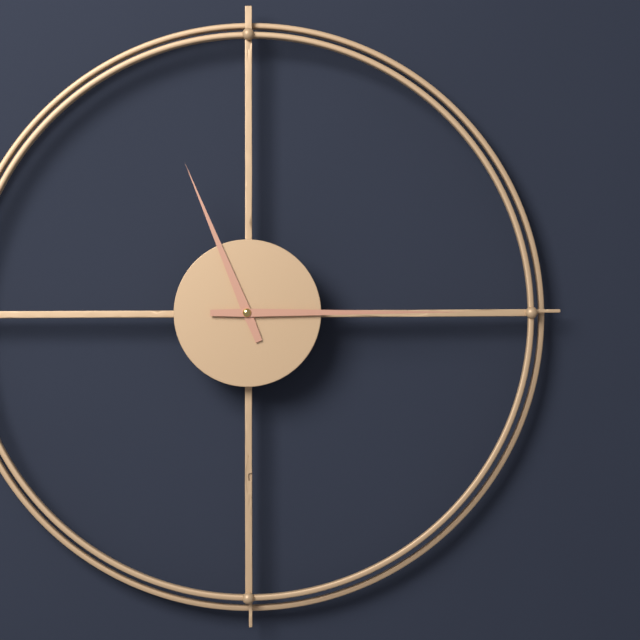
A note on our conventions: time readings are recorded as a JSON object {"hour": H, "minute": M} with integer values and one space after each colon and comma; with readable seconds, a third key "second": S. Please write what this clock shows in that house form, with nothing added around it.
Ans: {"hour": 11, "minute": 15}
